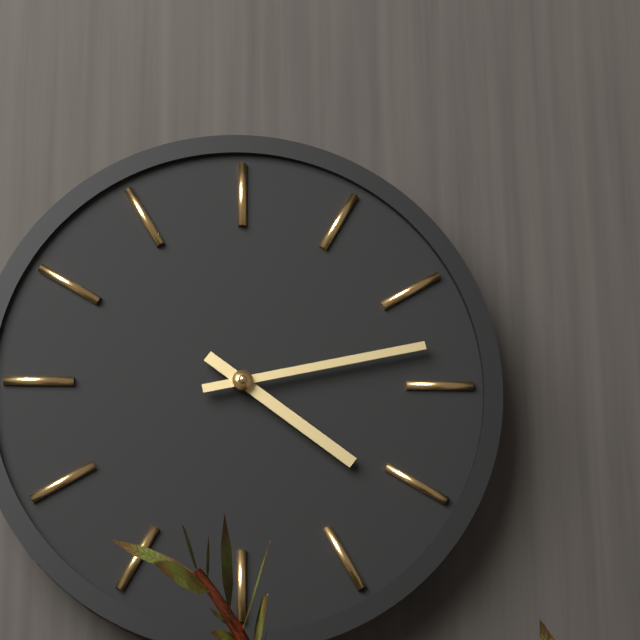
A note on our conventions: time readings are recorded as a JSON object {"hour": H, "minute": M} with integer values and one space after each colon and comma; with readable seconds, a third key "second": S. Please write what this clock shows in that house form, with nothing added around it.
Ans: {"hour": 4, "minute": 13}
